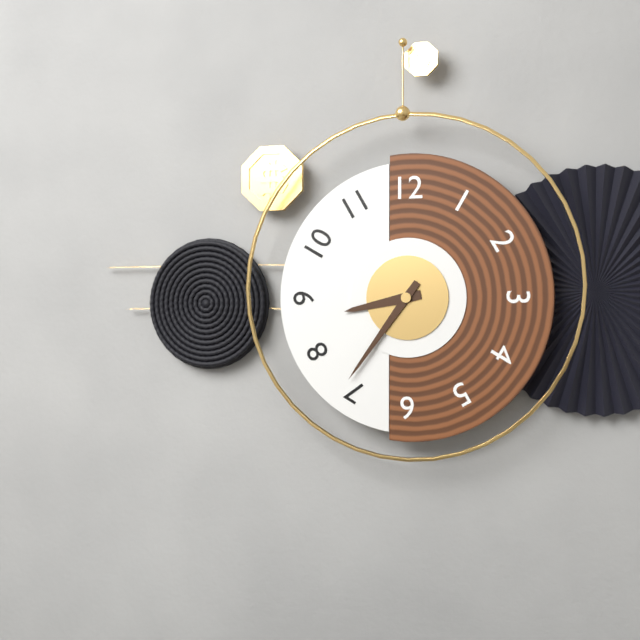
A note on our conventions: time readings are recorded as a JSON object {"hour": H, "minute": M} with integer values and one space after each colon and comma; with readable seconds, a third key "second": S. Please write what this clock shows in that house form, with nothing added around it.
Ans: {"hour": 8, "minute": 36}
